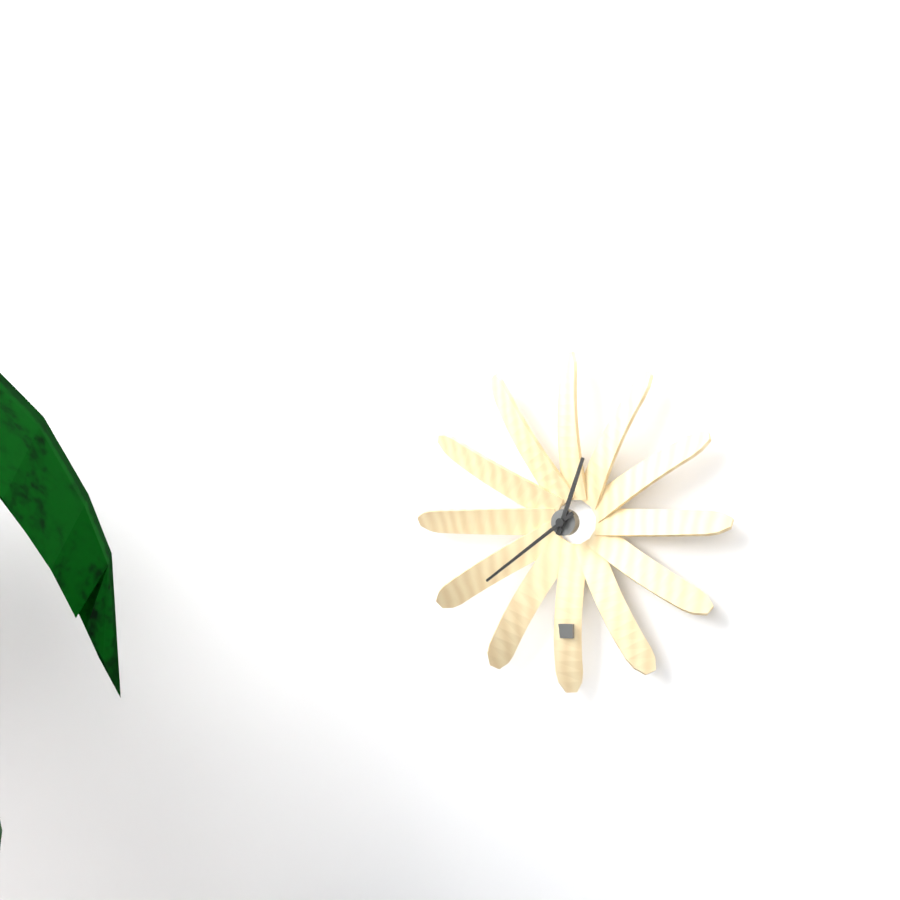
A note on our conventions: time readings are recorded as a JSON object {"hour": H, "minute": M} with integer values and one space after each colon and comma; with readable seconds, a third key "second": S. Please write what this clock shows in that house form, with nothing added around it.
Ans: {"hour": 12, "minute": 39}
